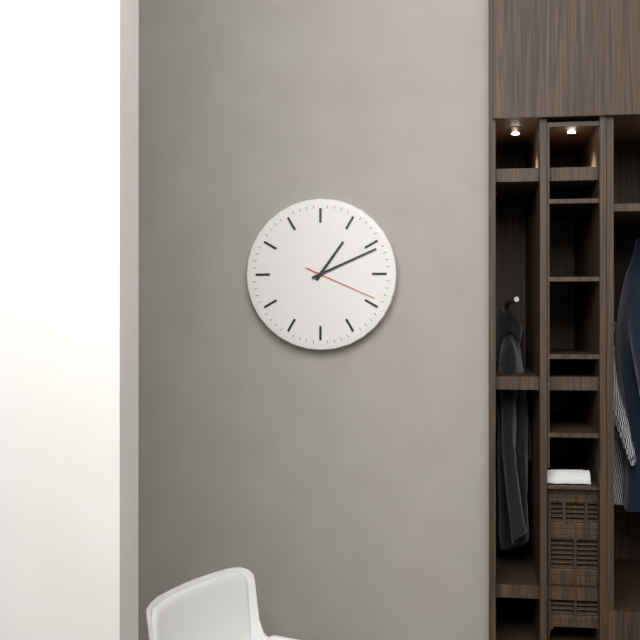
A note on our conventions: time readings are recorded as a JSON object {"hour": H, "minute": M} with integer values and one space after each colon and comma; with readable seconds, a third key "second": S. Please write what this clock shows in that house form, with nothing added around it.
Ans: {"hour": 1, "minute": 11, "second": 19}
